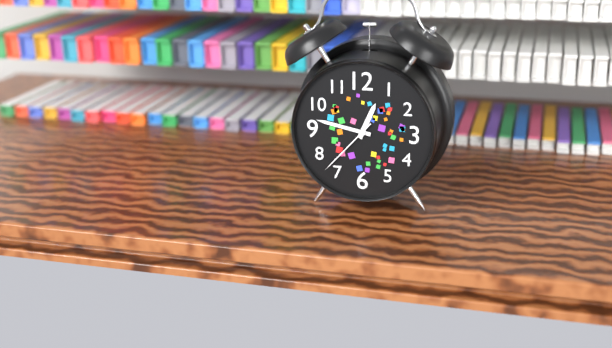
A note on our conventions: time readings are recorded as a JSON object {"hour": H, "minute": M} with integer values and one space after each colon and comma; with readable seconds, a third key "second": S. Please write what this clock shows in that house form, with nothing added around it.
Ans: {"hour": 12, "minute": 47, "second": 37}
